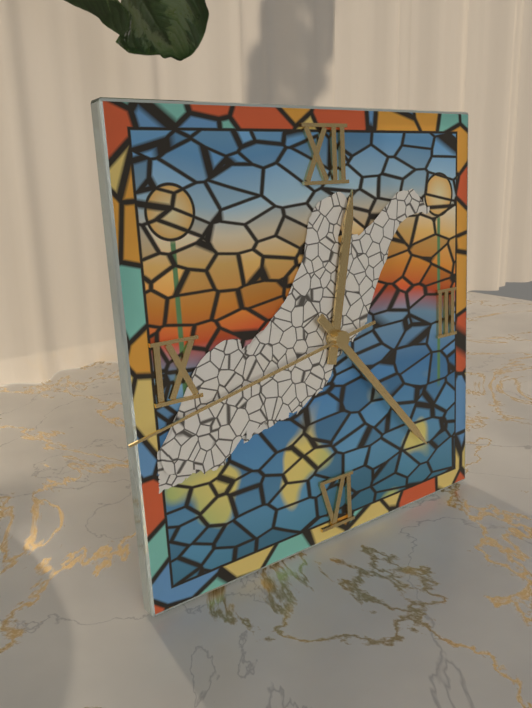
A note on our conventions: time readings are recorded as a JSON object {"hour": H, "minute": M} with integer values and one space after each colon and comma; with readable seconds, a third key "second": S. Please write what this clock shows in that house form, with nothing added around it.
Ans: {"hour": 12, "minute": 23, "second": 43}
